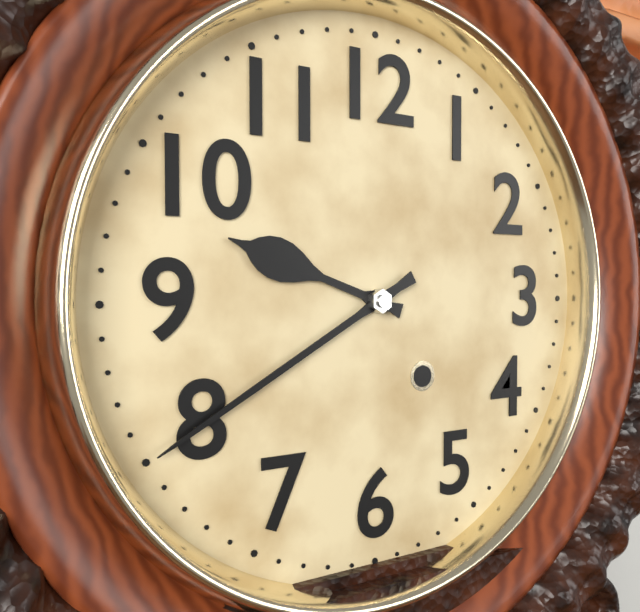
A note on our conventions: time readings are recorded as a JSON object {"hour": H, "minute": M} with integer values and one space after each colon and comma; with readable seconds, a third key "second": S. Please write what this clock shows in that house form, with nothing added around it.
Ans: {"hour": 9, "minute": 40}
